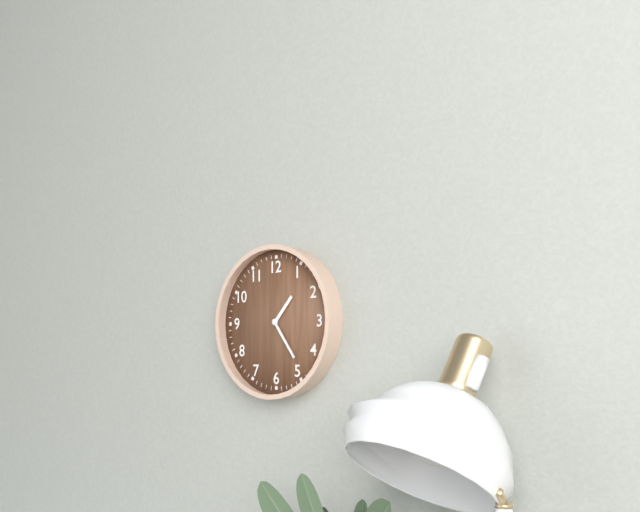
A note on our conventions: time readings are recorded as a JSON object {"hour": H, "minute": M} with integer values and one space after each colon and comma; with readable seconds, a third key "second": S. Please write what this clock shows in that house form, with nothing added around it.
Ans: {"hour": 1, "minute": 24}
